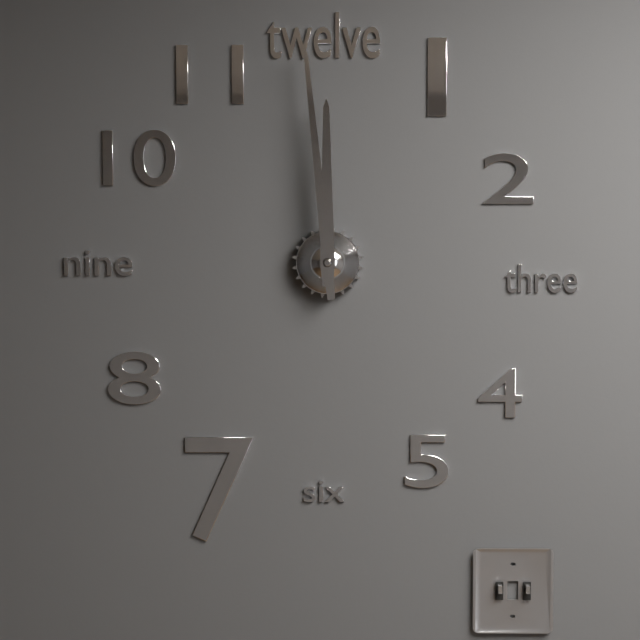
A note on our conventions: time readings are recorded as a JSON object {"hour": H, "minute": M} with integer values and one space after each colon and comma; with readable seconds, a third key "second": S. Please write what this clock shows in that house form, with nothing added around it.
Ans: {"hour": 11, "minute": 59}
